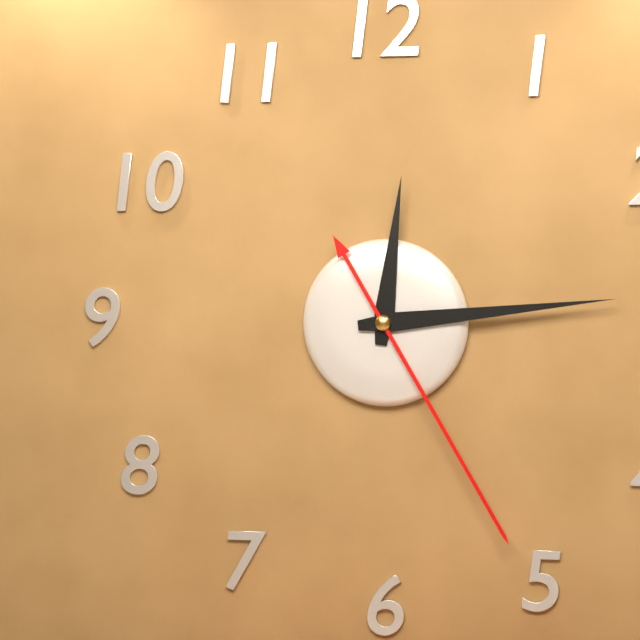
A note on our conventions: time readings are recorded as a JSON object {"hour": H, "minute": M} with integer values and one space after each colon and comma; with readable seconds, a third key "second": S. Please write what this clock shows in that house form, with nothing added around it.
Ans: {"hour": 12, "minute": 14, "second": 25}
